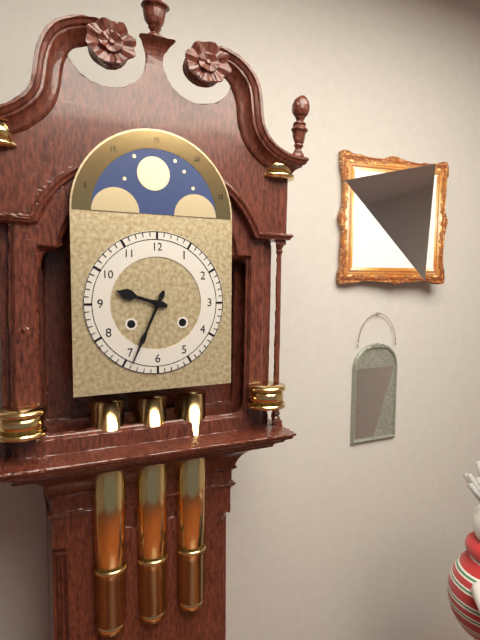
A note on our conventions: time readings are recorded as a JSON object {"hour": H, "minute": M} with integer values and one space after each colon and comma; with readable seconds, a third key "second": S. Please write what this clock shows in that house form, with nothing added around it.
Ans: {"hour": 9, "minute": 34}
